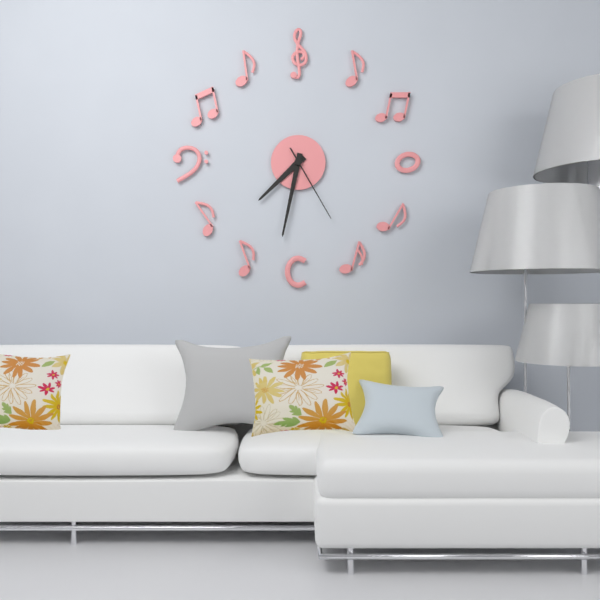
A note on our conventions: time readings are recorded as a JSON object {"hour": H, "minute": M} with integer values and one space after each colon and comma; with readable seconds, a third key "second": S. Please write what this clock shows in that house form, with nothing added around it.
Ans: {"hour": 7, "minute": 32, "second": 25}
